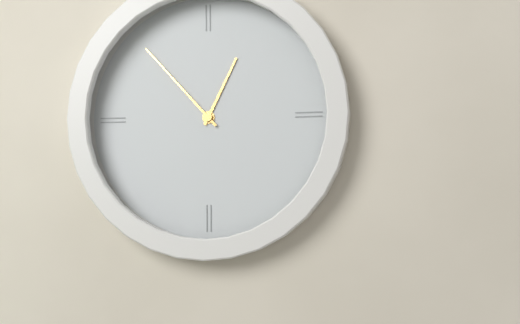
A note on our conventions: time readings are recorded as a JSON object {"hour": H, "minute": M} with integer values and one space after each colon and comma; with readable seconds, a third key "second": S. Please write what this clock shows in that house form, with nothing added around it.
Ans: {"hour": 12, "minute": 53}
